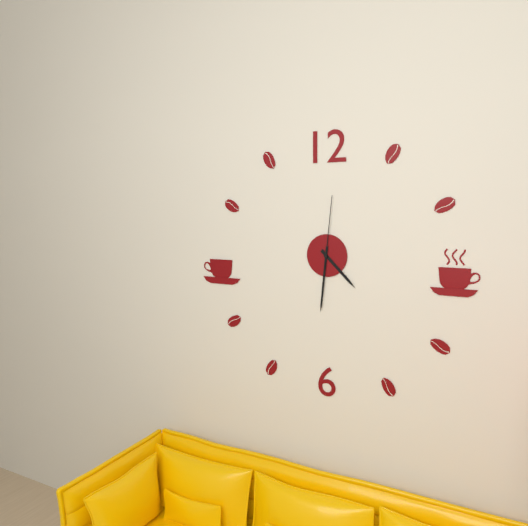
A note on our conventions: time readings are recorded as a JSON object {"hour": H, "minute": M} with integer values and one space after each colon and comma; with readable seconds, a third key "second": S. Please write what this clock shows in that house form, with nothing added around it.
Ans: {"hour": 4, "minute": 31, "second": 1}
